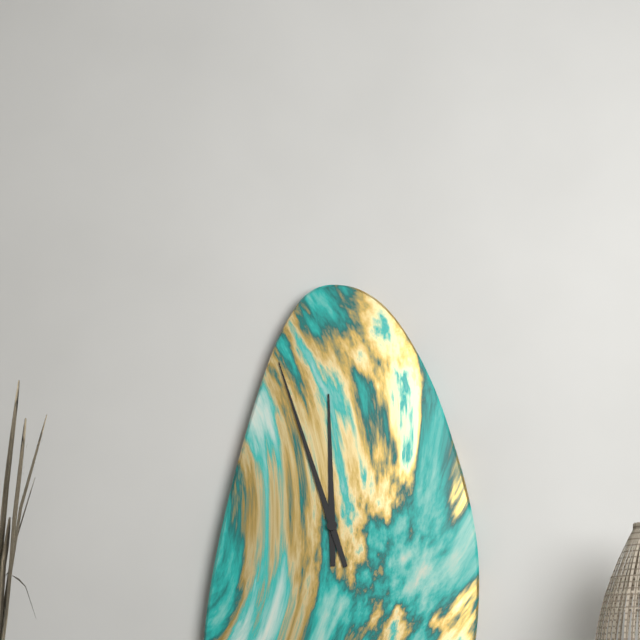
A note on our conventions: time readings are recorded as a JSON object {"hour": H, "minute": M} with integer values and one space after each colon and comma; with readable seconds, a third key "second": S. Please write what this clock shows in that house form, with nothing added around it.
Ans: {"hour": 11, "minute": 57}
